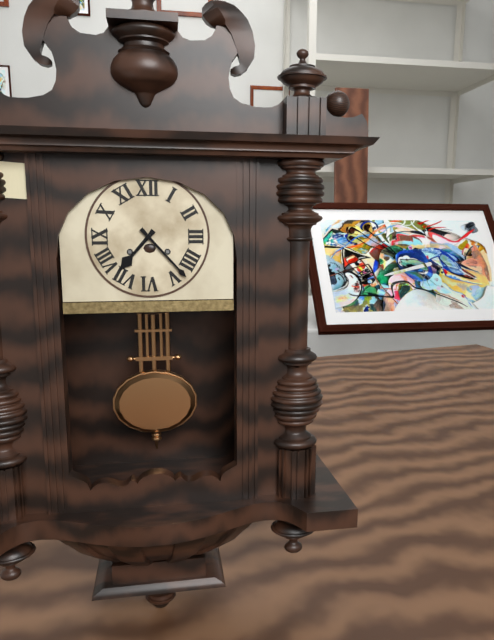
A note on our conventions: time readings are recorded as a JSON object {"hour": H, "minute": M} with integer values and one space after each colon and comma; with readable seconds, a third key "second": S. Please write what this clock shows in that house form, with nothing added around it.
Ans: {"hour": 7, "minute": 23}
